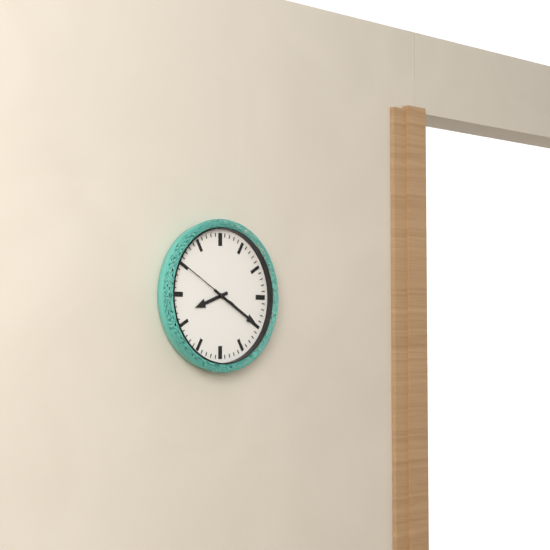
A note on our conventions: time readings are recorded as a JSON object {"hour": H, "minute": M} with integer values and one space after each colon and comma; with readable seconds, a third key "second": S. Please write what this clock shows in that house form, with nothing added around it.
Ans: {"hour": 8, "minute": 20, "second": 50}
